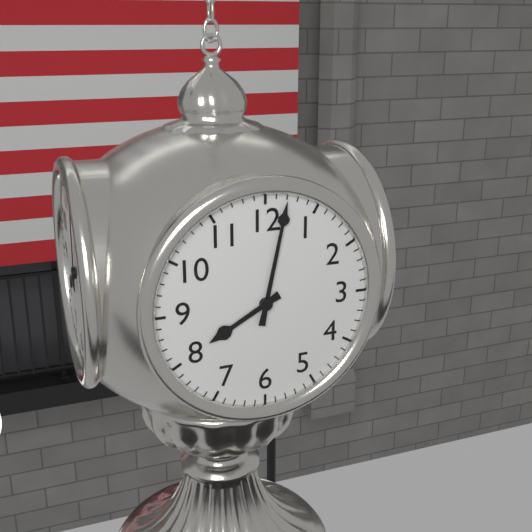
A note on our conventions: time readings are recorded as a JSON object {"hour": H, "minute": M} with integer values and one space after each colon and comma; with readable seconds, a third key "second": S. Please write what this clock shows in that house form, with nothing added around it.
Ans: {"hour": 8, "minute": 2}
